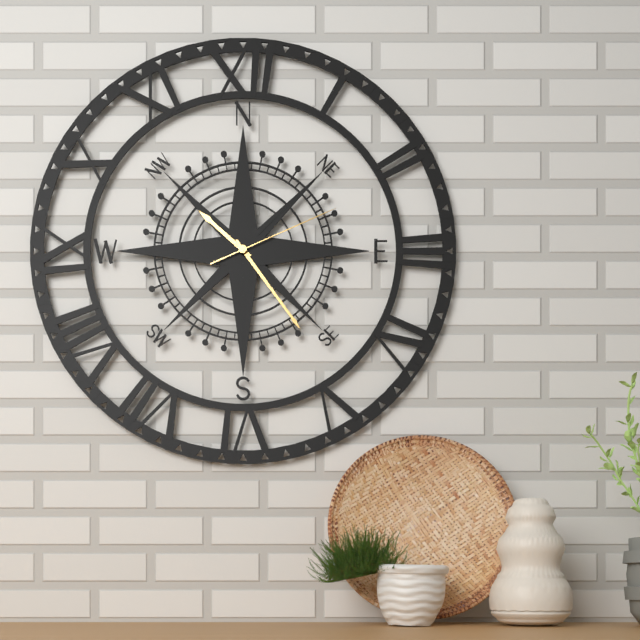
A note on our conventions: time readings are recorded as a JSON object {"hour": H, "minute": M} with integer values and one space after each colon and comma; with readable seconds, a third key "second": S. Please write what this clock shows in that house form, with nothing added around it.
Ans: {"hour": 10, "minute": 24, "second": 11}
